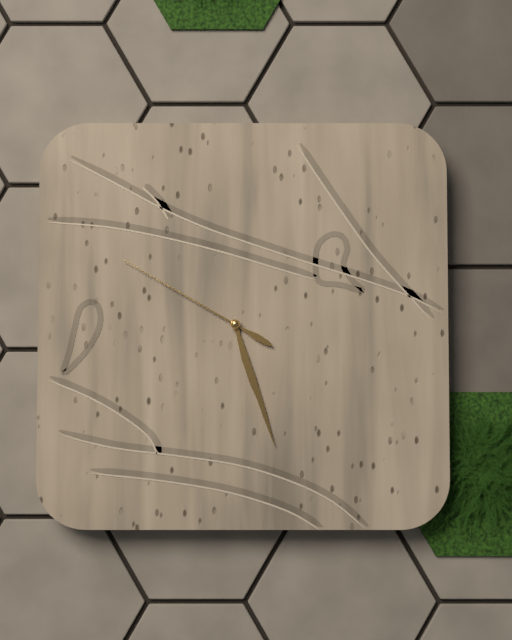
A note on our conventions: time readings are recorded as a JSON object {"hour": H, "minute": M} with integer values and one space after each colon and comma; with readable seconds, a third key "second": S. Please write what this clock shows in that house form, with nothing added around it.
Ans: {"hour": 5, "minute": 27, "second": 50}
